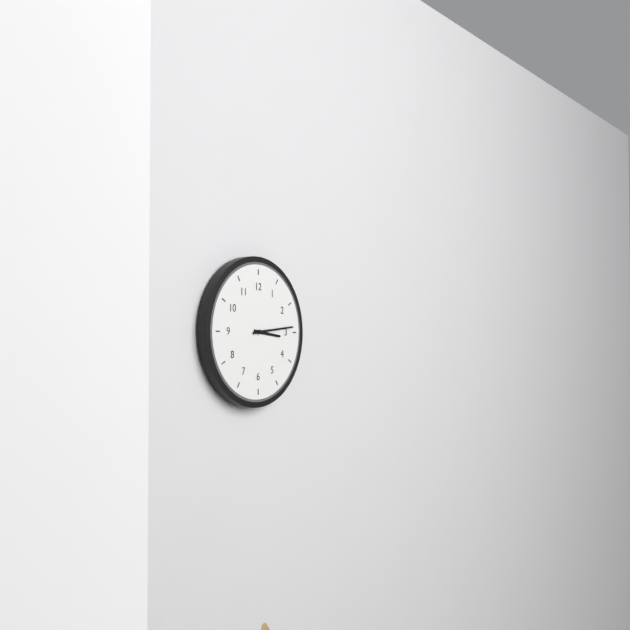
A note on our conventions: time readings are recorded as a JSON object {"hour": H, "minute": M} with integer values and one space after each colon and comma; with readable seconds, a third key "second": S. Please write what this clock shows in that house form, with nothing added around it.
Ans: {"hour": 3, "minute": 14}
